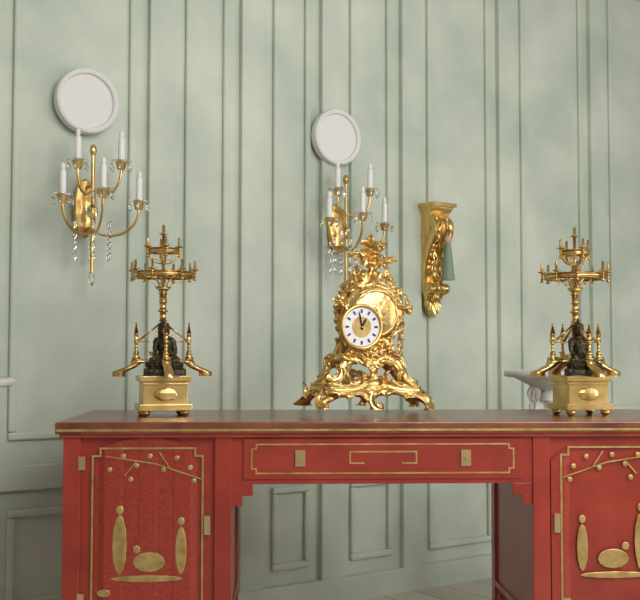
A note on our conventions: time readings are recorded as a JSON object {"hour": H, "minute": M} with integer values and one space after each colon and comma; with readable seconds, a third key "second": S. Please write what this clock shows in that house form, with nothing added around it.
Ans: {"hour": 12, "minute": 58}
